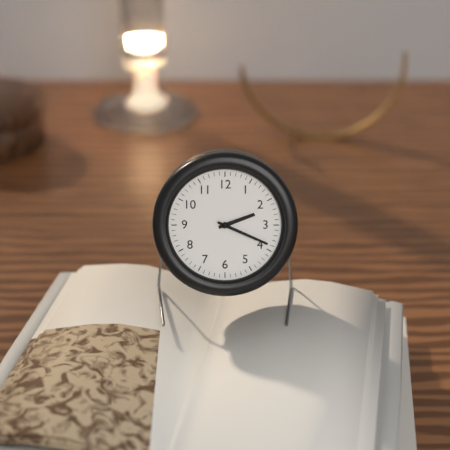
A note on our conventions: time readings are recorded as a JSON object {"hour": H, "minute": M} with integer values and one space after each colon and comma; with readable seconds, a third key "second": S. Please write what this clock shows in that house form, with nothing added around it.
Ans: {"hour": 2, "minute": 19}
